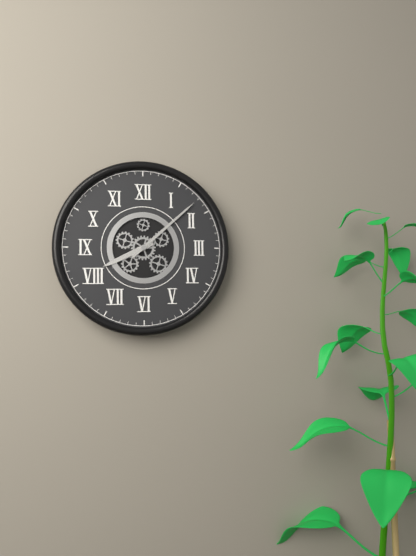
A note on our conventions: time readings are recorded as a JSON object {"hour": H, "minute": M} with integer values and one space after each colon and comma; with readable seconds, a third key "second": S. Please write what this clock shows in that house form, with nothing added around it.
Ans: {"hour": 8, "minute": 8}
